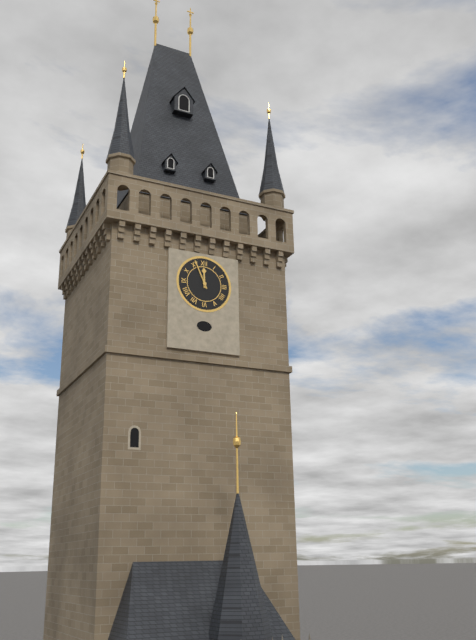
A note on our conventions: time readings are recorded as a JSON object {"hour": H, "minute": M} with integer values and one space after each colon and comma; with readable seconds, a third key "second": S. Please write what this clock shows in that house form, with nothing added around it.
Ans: {"hour": 11, "minute": 56}
